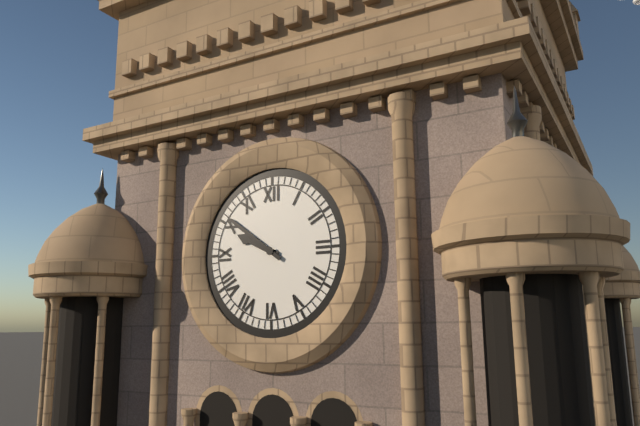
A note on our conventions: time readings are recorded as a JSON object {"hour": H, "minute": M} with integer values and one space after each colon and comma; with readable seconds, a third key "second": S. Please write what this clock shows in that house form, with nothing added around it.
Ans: {"hour": 9, "minute": 51}
